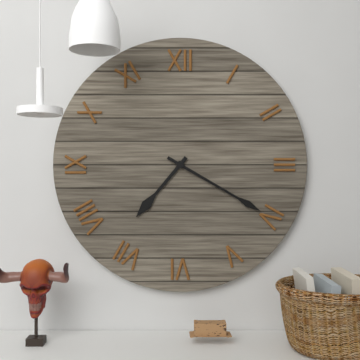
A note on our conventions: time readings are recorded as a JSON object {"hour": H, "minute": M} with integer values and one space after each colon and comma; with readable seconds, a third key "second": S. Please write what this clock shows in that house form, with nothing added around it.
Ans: {"hour": 7, "minute": 20}
